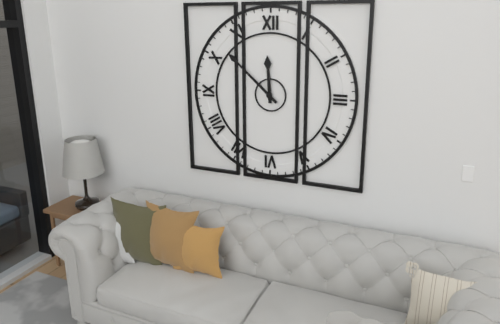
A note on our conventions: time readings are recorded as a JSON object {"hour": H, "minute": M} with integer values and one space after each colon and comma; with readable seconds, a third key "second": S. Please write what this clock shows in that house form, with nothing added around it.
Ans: {"hour": 11, "minute": 52}
